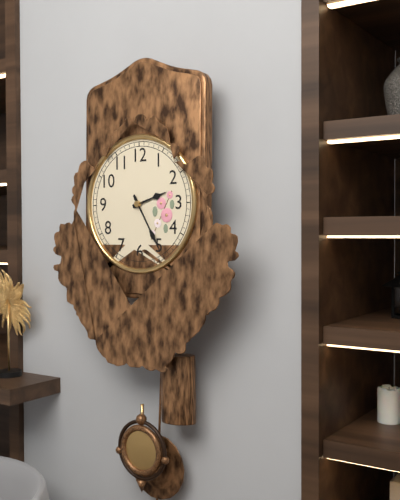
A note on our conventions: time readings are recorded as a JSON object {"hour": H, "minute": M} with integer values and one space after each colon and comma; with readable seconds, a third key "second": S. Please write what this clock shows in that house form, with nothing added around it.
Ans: {"hour": 2, "minute": 25}
